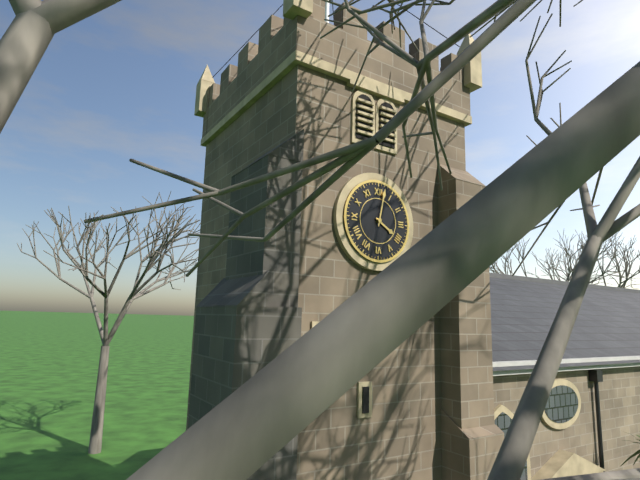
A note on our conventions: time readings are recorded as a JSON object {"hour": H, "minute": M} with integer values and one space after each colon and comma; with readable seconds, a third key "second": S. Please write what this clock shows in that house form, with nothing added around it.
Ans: {"hour": 4, "minute": 2}
